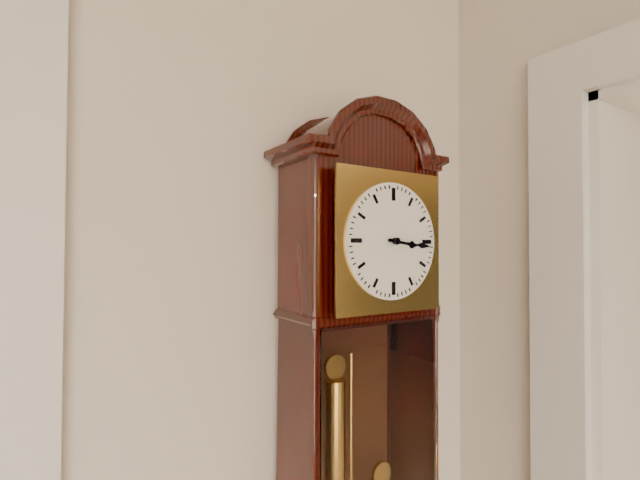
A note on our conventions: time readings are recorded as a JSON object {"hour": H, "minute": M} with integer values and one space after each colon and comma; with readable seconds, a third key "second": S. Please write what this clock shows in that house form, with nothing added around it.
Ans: {"hour": 3, "minute": 16}
